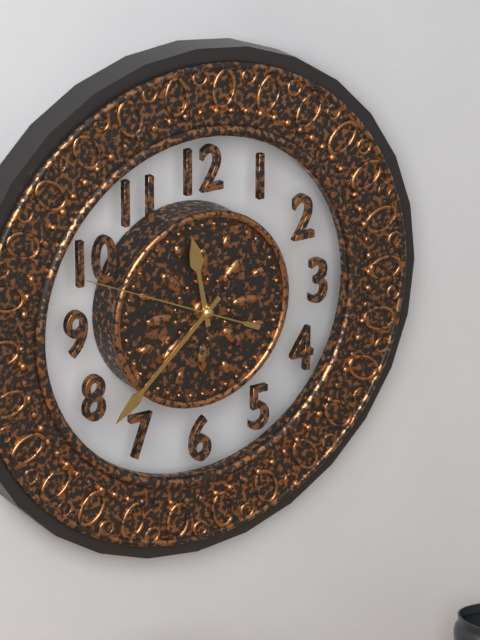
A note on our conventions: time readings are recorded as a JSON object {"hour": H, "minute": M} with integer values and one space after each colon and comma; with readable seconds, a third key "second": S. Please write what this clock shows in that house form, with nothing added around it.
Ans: {"hour": 11, "minute": 38, "second": 49}
